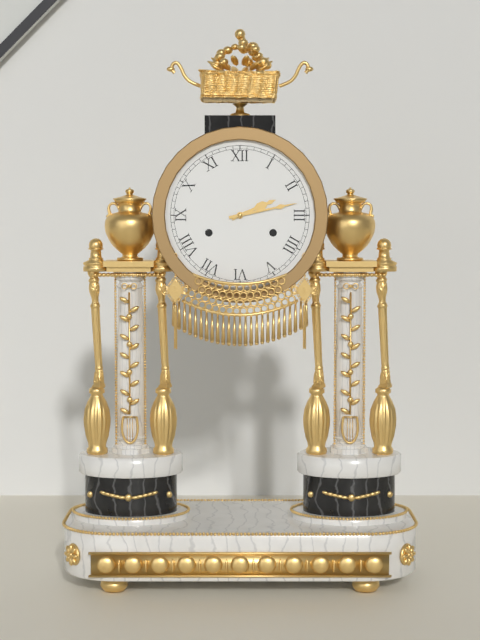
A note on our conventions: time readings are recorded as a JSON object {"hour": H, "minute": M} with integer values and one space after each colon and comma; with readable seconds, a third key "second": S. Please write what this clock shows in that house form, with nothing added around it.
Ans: {"hour": 2, "minute": 13}
